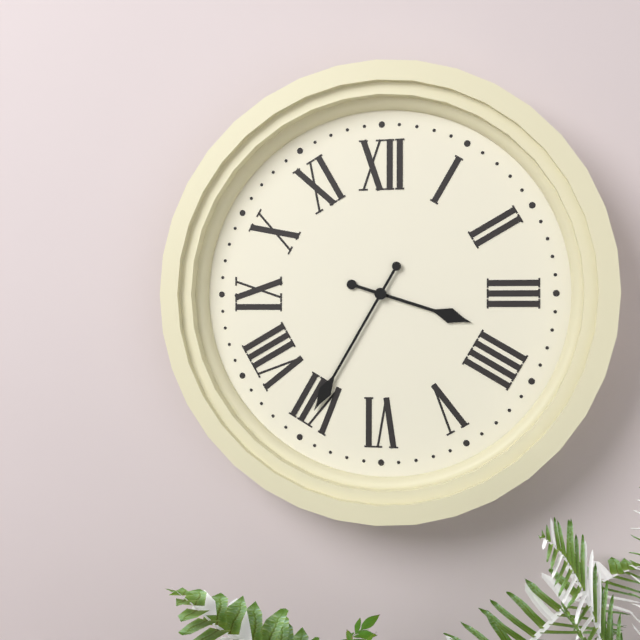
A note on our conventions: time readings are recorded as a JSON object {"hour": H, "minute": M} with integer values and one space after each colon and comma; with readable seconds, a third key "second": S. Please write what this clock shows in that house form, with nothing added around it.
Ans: {"hour": 3, "minute": 35}
